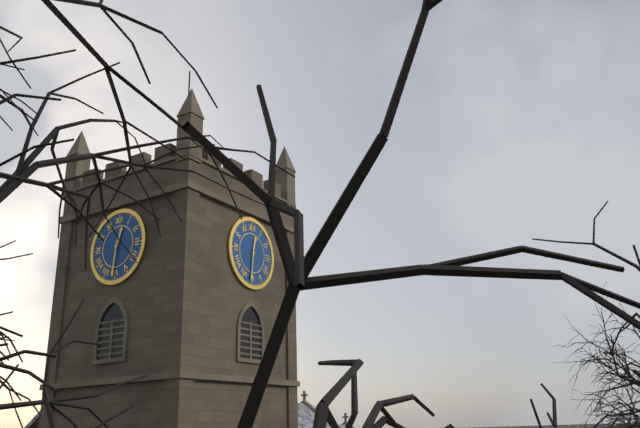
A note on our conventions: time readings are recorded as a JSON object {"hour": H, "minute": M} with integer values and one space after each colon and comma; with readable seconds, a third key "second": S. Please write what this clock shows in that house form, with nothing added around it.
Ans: {"hour": 12, "minute": 31}
